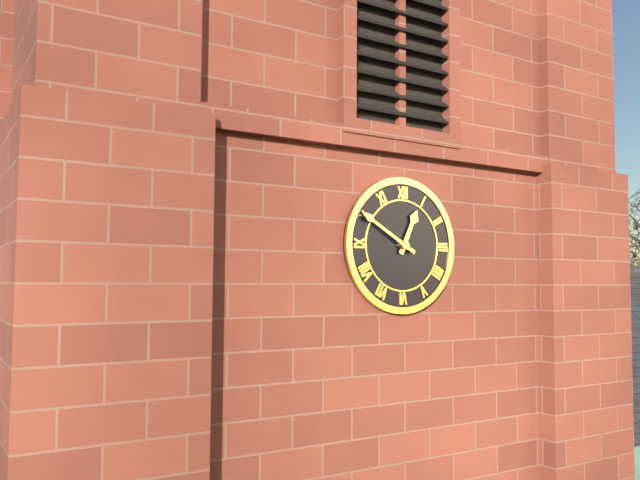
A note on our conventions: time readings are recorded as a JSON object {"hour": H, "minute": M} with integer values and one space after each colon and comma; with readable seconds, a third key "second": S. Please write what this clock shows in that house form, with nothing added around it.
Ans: {"hour": 12, "minute": 50}
